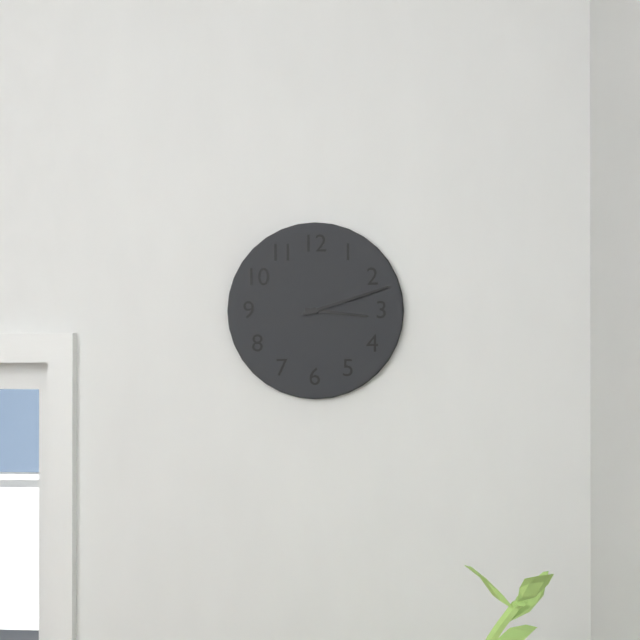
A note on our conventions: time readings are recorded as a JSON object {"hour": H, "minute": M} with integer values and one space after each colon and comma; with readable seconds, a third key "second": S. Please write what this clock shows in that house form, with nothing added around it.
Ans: {"hour": 3, "minute": 12}
